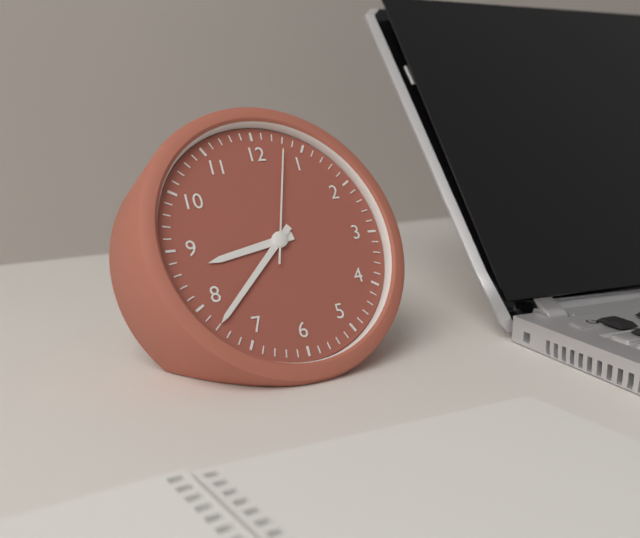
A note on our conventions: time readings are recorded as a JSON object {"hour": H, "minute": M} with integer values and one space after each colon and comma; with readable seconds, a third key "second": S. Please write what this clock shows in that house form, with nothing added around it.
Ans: {"hour": 8, "minute": 38, "second": 3}
